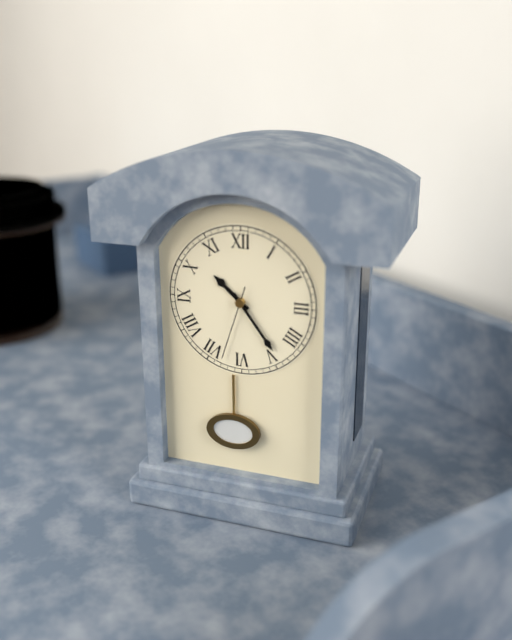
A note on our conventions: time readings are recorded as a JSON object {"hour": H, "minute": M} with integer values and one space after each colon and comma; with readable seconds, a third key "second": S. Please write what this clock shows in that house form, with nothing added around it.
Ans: {"hour": 10, "minute": 24, "second": 33}
